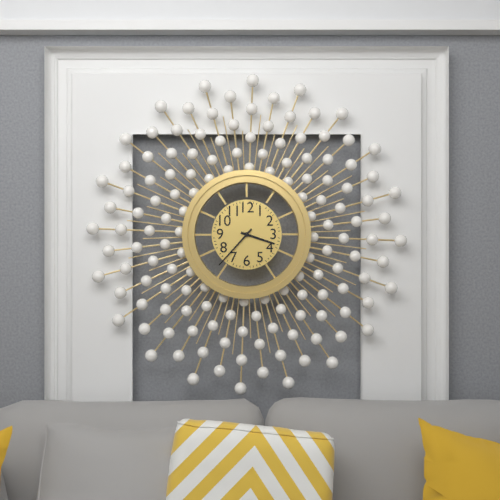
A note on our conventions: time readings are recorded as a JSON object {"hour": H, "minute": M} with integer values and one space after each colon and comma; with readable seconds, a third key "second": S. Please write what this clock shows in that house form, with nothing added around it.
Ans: {"hour": 3, "minute": 37}
